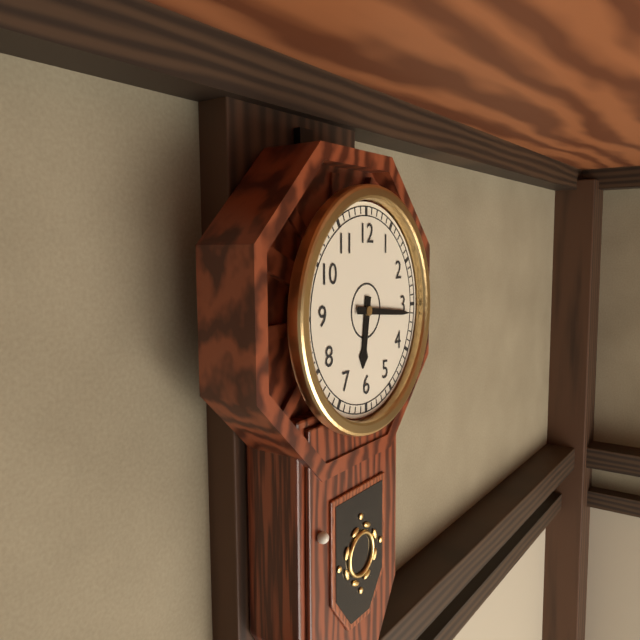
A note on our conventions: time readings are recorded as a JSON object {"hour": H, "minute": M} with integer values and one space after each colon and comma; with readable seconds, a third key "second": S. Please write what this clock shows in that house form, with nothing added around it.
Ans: {"hour": 6, "minute": 16}
